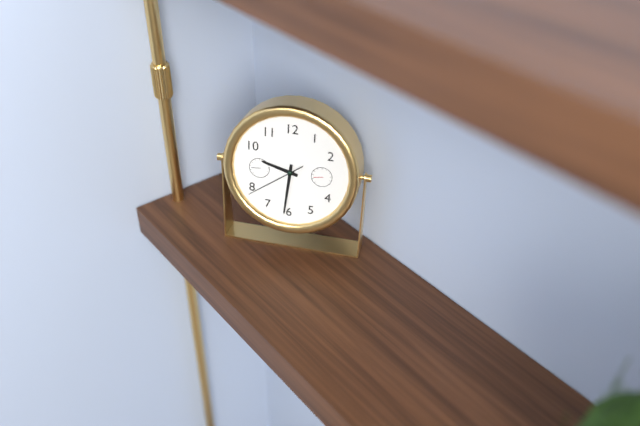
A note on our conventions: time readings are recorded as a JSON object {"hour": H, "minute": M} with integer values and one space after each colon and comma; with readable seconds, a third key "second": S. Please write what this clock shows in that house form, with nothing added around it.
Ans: {"hour": 9, "minute": 31, "second": 39}
